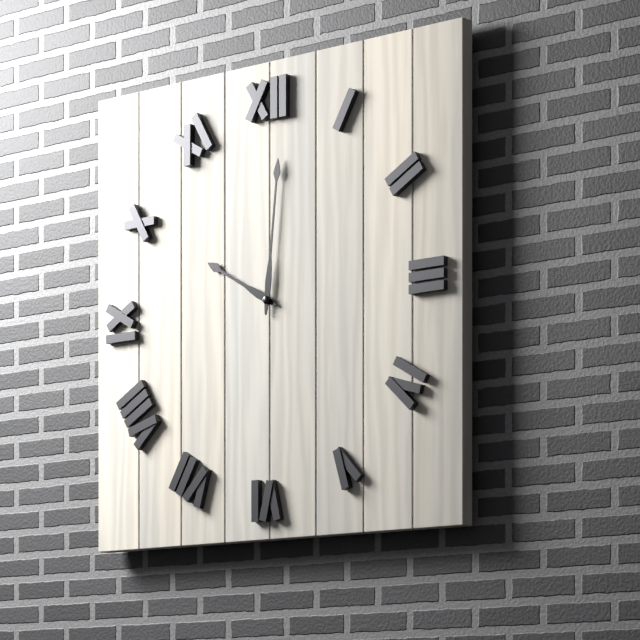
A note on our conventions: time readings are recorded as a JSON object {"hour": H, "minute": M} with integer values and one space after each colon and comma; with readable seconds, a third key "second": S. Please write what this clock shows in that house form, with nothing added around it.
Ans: {"hour": 10, "minute": 1}
